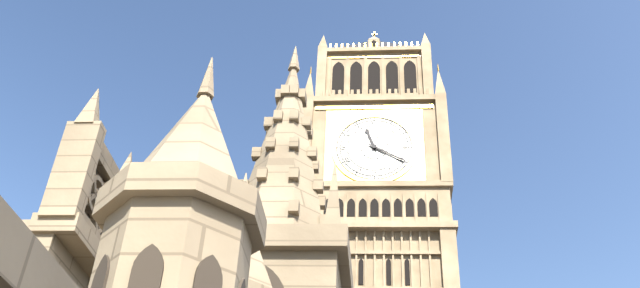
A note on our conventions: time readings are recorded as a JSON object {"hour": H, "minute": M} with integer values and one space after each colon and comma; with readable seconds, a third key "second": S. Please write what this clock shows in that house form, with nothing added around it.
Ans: {"hour": 11, "minute": 20}
